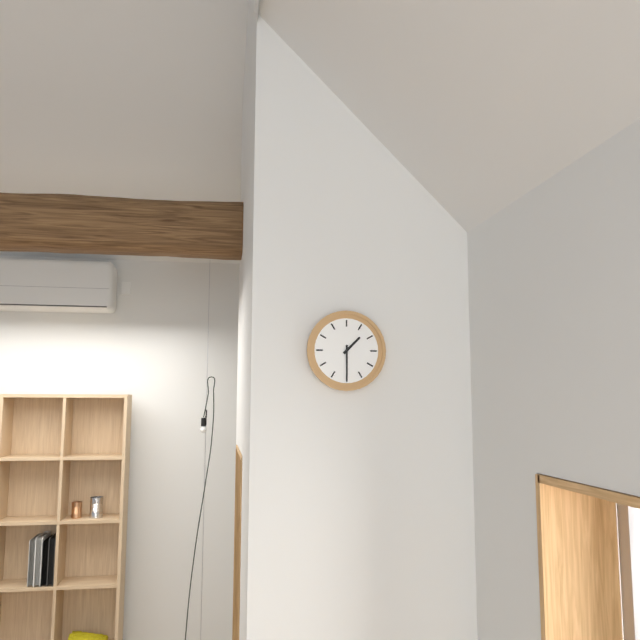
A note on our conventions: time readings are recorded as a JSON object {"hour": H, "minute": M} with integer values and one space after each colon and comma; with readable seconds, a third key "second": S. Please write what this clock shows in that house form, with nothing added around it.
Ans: {"hour": 1, "minute": 30}
